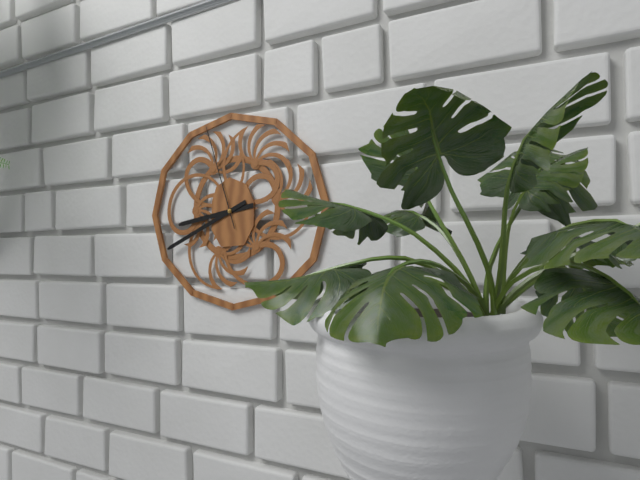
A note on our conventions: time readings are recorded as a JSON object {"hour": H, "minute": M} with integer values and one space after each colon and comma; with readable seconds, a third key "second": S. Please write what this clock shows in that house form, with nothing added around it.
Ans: {"hour": 8, "minute": 41, "second": 57}
